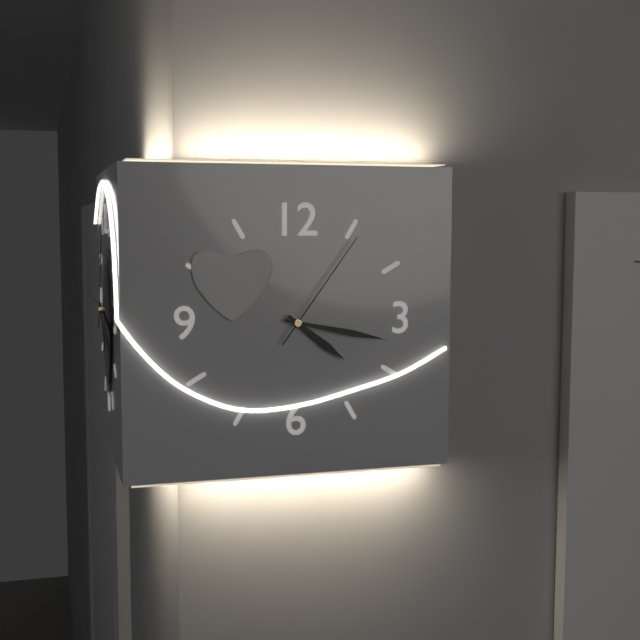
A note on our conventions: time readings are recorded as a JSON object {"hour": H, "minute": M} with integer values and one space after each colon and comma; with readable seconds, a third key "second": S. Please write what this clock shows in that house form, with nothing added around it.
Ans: {"hour": 4, "minute": 17, "second": 6}
